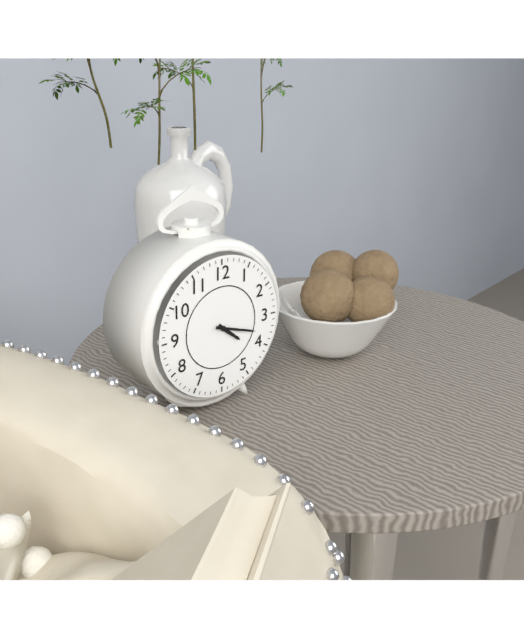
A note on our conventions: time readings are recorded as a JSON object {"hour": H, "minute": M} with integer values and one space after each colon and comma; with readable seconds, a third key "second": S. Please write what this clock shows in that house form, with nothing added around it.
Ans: {"hour": 4, "minute": 18}
